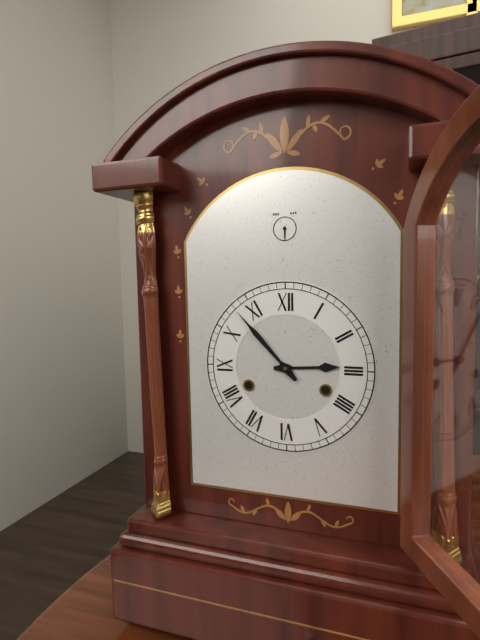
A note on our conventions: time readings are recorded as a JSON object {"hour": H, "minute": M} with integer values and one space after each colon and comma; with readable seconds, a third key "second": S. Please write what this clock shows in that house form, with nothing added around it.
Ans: {"hour": 2, "minute": 53}
